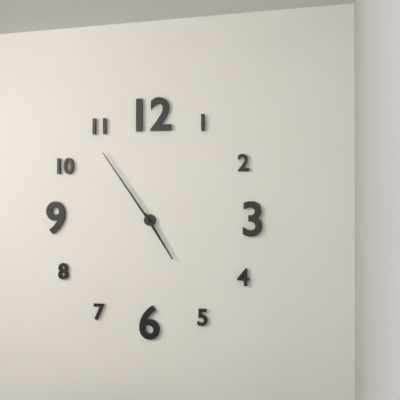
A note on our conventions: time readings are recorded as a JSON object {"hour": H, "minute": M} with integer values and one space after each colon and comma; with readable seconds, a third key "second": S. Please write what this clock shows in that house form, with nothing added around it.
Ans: {"hour": 4, "minute": 54}
